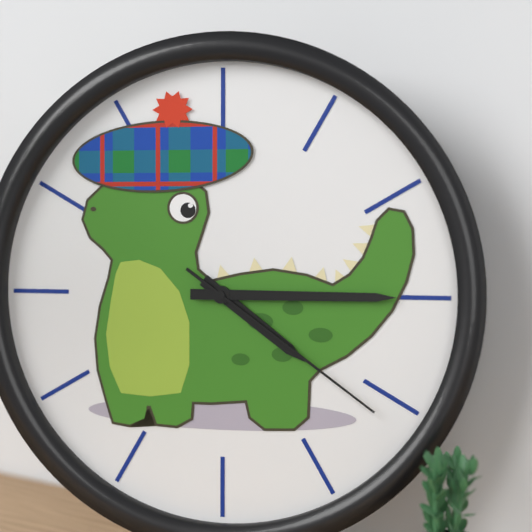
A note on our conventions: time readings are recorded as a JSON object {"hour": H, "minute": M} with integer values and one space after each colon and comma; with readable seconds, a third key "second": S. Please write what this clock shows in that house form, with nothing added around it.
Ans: {"hour": 4, "minute": 15, "second": 21}
